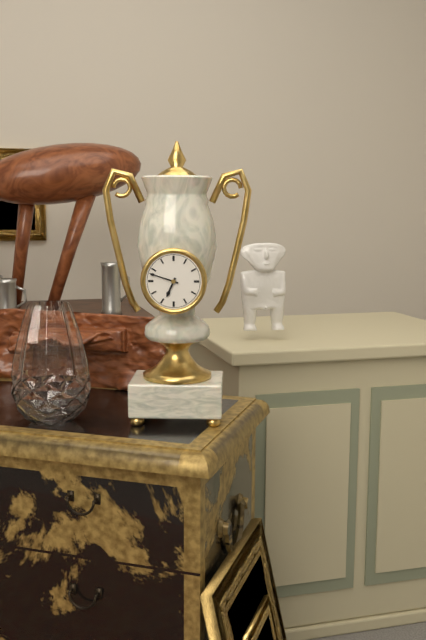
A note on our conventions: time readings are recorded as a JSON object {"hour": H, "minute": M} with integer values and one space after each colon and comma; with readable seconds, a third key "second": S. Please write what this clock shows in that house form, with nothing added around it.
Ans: {"hour": 6, "minute": 48}
